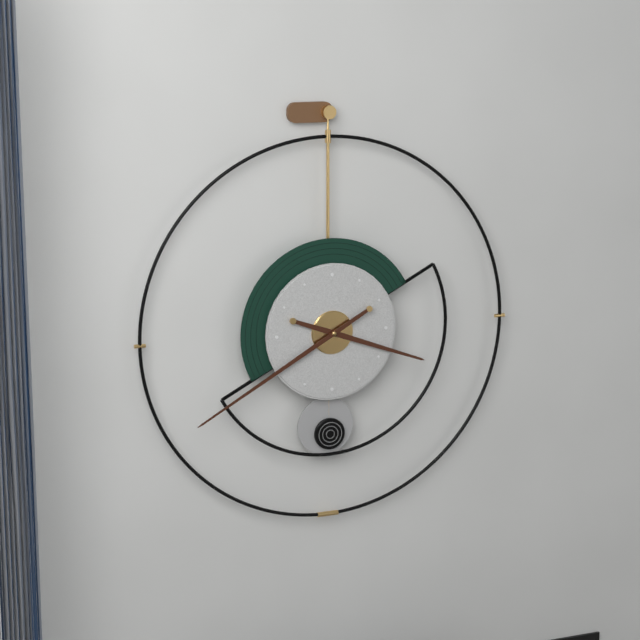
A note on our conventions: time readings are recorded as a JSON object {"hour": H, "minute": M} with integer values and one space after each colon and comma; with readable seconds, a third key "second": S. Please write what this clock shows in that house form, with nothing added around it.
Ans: {"hour": 3, "minute": 40}
